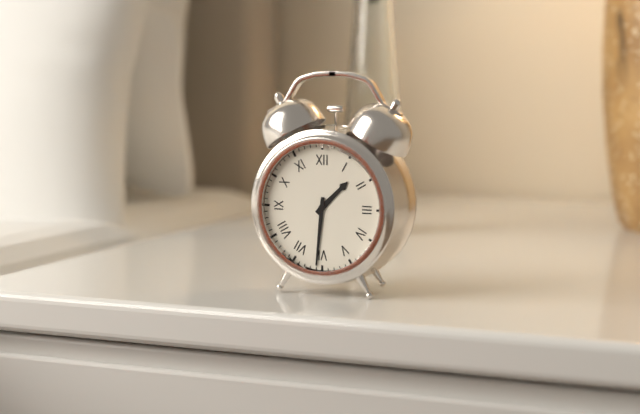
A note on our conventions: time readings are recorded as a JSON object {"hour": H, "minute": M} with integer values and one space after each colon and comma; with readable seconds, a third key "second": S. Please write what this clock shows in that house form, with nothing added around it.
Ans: {"hour": 1, "minute": 31}
